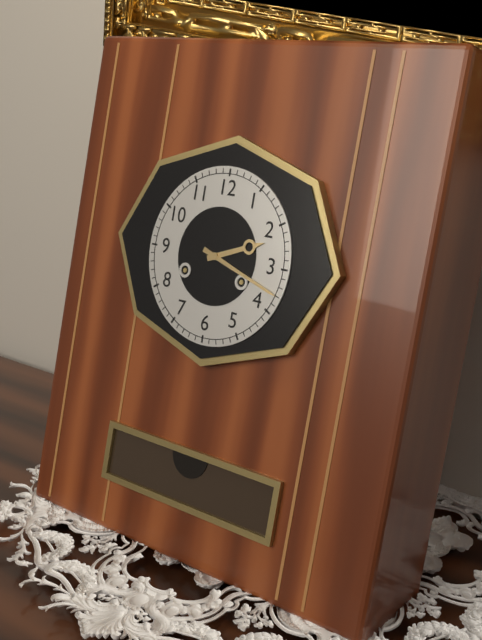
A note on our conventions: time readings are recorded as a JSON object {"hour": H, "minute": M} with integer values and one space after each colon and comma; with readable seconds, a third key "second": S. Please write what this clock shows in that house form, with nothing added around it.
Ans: {"hour": 2, "minute": 18}
